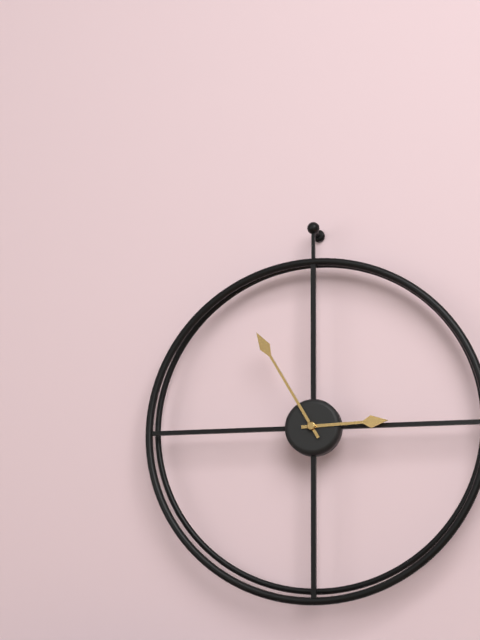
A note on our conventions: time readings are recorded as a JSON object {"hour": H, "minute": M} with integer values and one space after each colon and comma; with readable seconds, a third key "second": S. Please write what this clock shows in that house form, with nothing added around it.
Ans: {"hour": 2, "minute": 55}
